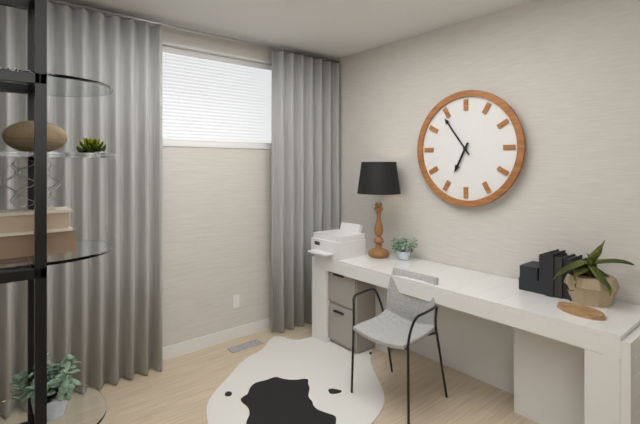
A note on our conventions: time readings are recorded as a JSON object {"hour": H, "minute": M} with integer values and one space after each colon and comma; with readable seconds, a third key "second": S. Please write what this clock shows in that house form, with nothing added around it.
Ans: {"hour": 6, "minute": 54}
